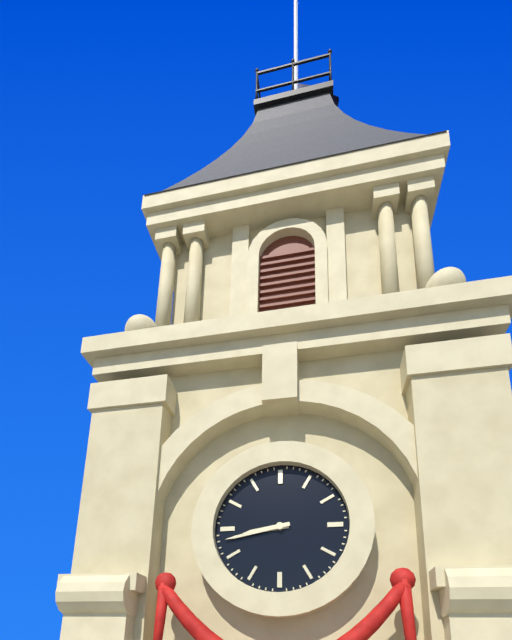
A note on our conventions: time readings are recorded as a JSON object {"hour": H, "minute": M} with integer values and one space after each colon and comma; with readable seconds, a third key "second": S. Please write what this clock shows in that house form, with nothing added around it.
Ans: {"hour": 8, "minute": 43}
